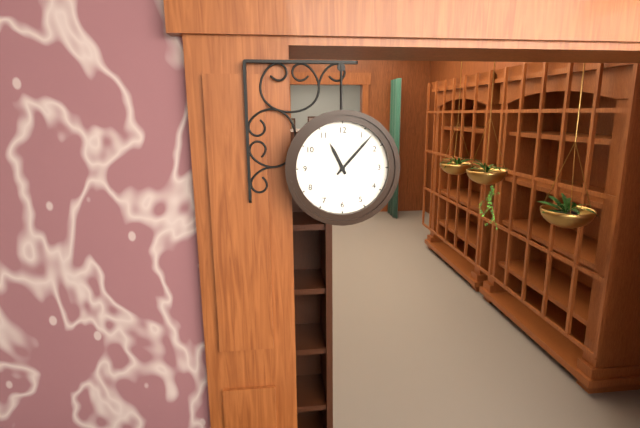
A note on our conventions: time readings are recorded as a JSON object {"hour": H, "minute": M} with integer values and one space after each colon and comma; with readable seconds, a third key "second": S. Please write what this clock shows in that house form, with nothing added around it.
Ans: {"hour": 11, "minute": 7}
